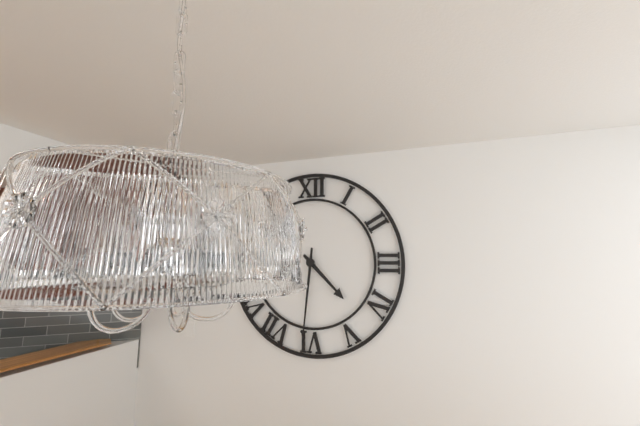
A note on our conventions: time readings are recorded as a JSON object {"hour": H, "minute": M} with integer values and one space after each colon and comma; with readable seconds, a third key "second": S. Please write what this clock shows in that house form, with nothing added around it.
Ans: {"hour": 4, "minute": 31}
